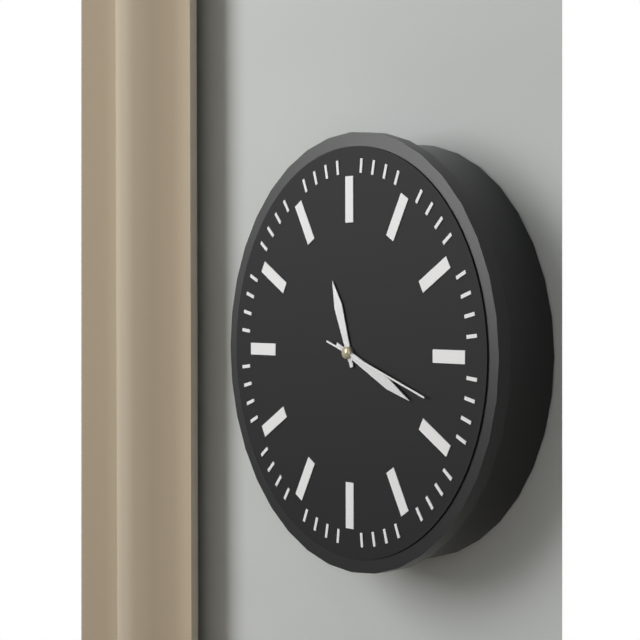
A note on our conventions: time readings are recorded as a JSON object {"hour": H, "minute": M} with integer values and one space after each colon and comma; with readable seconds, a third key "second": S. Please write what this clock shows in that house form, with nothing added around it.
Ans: {"hour": 11, "minute": 19, "second": 18}
